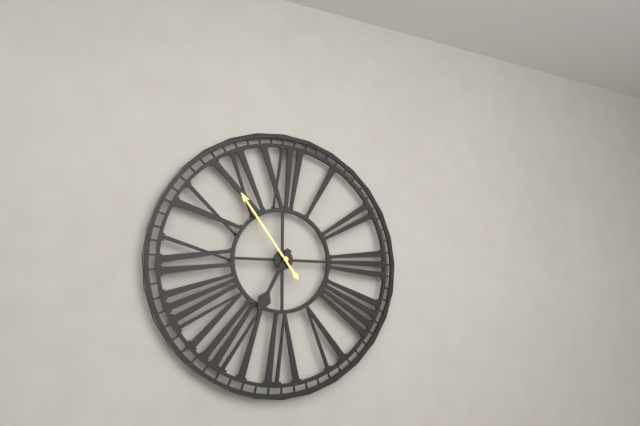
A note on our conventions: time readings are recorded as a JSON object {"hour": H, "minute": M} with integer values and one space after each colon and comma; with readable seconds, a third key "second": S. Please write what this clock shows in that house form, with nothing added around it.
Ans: {"hour": 6, "minute": 54}
